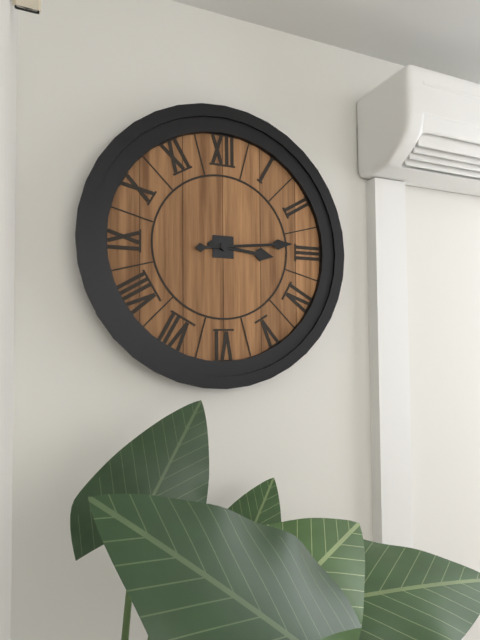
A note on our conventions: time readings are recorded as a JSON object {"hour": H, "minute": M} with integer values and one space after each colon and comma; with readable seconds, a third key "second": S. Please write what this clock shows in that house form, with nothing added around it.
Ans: {"hour": 3, "minute": 14}
